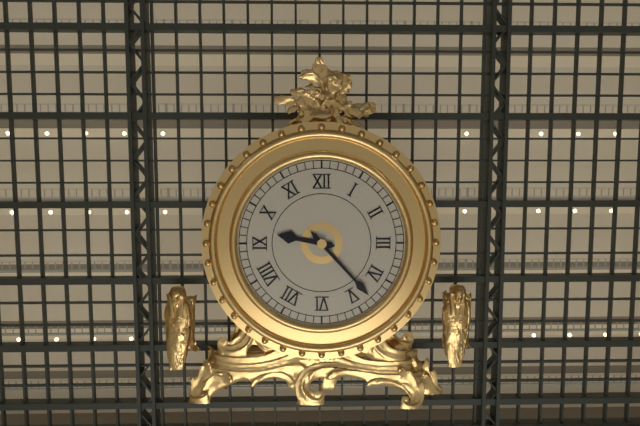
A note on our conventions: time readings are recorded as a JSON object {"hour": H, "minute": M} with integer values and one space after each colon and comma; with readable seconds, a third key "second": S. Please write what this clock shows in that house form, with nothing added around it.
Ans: {"hour": 9, "minute": 23}
